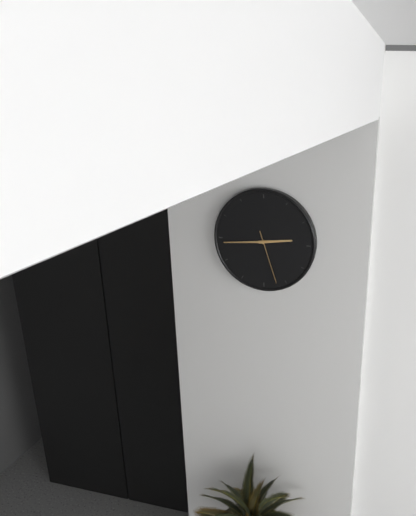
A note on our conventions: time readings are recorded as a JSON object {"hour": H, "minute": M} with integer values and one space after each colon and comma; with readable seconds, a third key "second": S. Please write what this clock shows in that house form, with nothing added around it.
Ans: {"hour": 2, "minute": 44, "second": 27}
